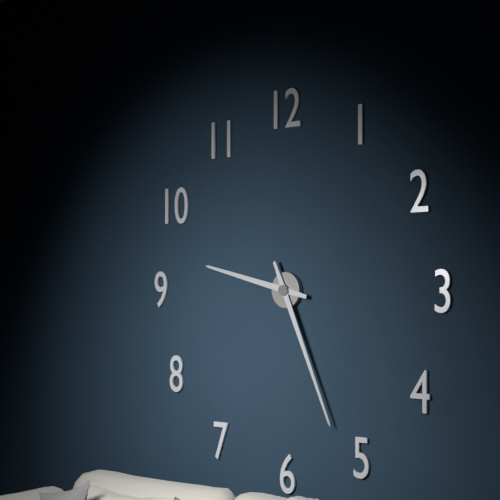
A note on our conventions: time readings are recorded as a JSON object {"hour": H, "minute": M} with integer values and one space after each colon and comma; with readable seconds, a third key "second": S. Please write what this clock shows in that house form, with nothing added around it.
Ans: {"hour": 9, "minute": 26}
